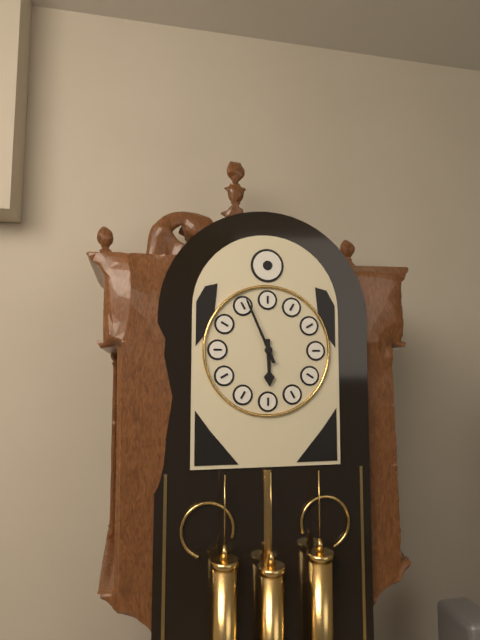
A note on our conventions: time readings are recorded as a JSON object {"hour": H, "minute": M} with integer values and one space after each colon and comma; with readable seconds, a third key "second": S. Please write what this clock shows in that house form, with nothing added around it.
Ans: {"hour": 5, "minute": 56}
